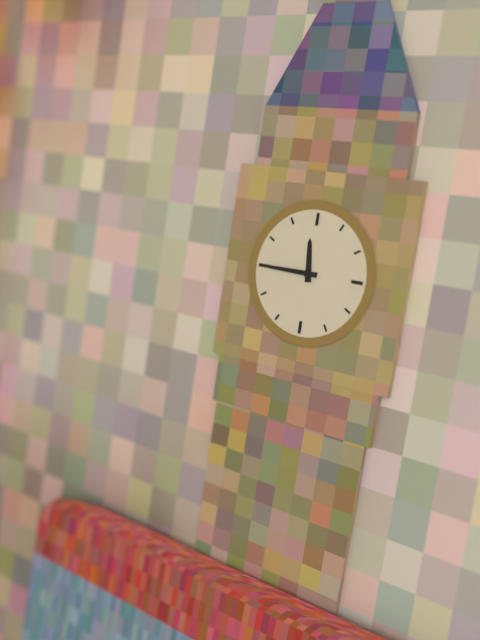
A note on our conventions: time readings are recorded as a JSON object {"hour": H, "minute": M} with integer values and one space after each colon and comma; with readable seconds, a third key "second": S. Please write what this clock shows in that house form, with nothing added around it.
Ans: {"hour": 11, "minute": 45}
